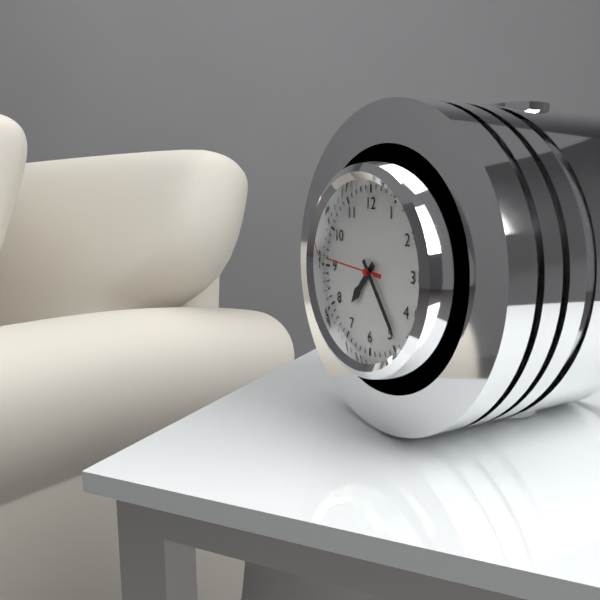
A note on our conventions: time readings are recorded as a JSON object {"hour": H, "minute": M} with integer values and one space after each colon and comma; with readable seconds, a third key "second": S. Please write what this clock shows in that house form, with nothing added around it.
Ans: {"hour": 7, "minute": 24, "second": 46}
